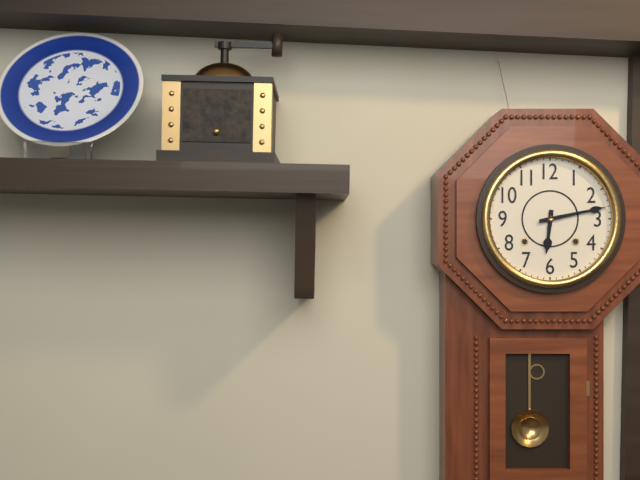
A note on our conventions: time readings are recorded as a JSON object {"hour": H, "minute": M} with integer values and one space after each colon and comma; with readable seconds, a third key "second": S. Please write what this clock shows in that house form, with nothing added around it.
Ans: {"hour": 6, "minute": 13}
